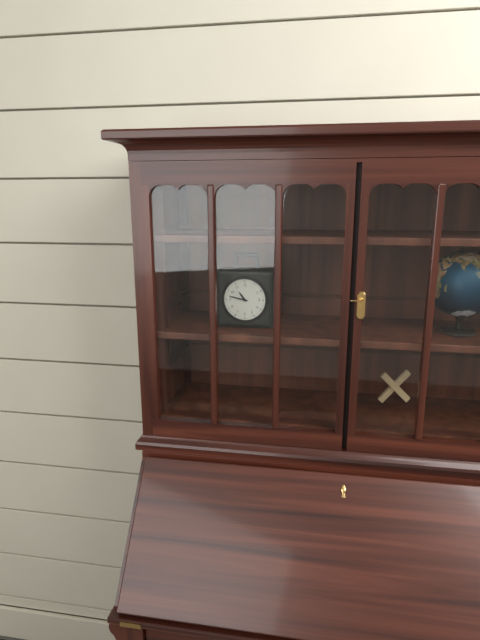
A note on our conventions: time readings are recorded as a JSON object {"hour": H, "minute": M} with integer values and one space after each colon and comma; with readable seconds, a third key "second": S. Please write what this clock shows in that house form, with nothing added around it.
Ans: {"hour": 10, "minute": 47}
